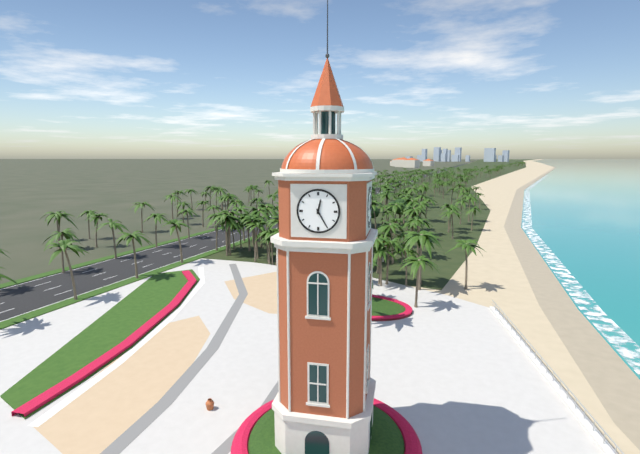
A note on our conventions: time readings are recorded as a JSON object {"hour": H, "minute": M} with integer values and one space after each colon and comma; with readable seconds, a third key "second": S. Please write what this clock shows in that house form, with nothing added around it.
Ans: {"hour": 12, "minute": 25}
